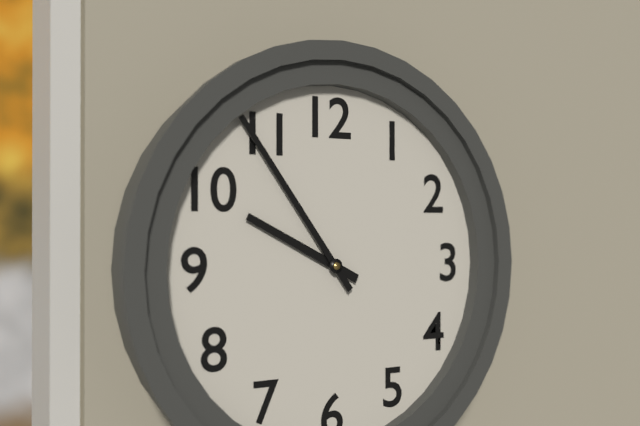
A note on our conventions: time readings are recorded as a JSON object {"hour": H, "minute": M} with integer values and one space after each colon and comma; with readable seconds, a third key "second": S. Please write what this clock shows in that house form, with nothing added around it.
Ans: {"hour": 9, "minute": 54}
